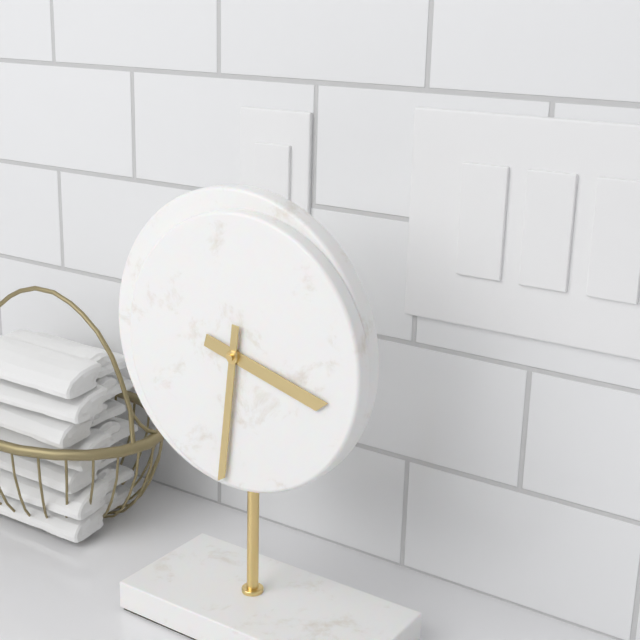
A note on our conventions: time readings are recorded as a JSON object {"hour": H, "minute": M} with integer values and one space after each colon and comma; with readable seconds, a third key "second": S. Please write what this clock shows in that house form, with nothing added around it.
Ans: {"hour": 3, "minute": 31}
